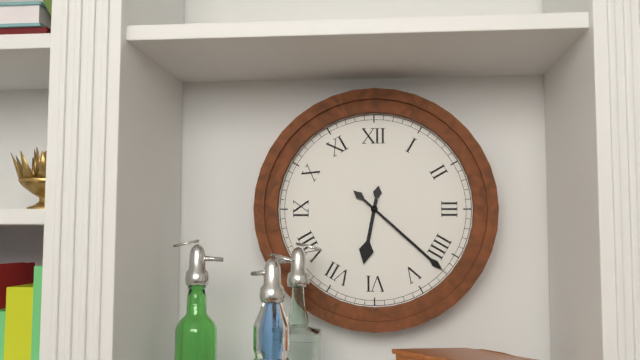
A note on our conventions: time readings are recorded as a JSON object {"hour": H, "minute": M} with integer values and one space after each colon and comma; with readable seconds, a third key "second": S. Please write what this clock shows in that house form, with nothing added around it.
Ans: {"hour": 6, "minute": 22}
